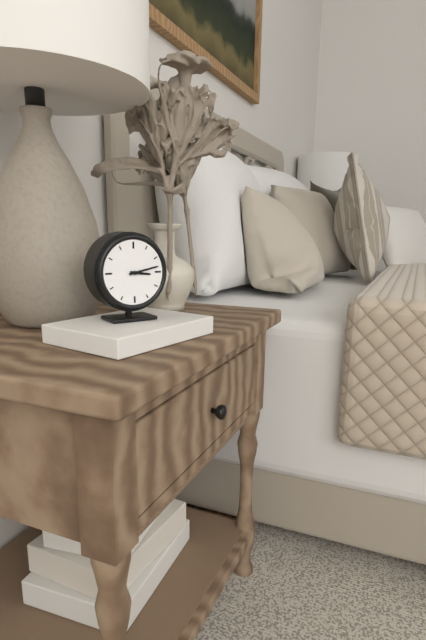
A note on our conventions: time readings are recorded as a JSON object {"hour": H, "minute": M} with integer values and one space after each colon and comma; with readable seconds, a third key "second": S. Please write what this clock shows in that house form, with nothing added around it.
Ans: {"hour": 3, "minute": 13}
